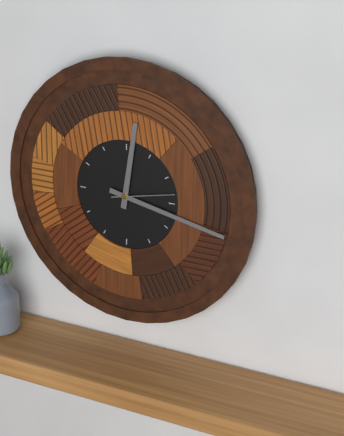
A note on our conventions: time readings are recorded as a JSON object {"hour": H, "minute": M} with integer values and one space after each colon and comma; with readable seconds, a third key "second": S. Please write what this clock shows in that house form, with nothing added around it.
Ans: {"hour": 12, "minute": 17, "second": 13}
